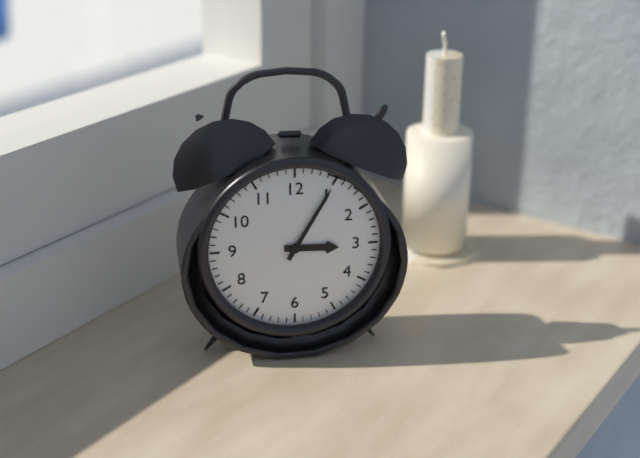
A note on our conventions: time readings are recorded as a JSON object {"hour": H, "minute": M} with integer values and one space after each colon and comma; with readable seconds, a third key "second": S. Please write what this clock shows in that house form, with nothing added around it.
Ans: {"hour": 3, "minute": 5}
